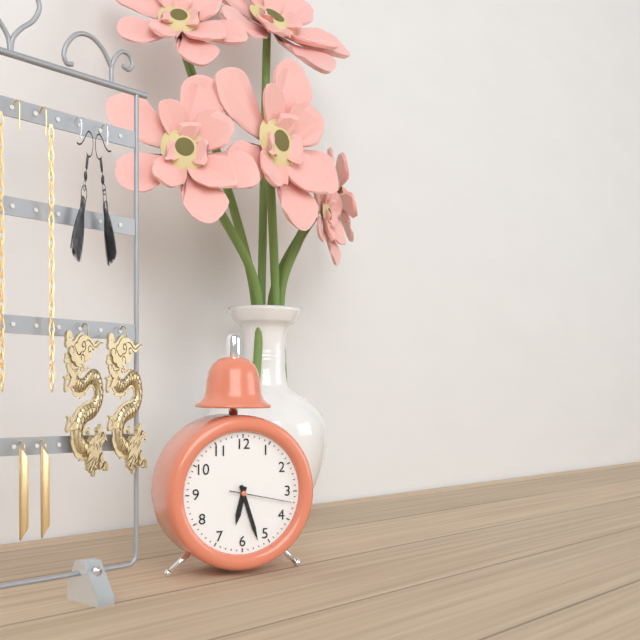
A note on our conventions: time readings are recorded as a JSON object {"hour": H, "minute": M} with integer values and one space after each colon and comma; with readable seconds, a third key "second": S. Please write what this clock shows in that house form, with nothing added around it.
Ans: {"hour": 6, "minute": 27, "second": 17}
